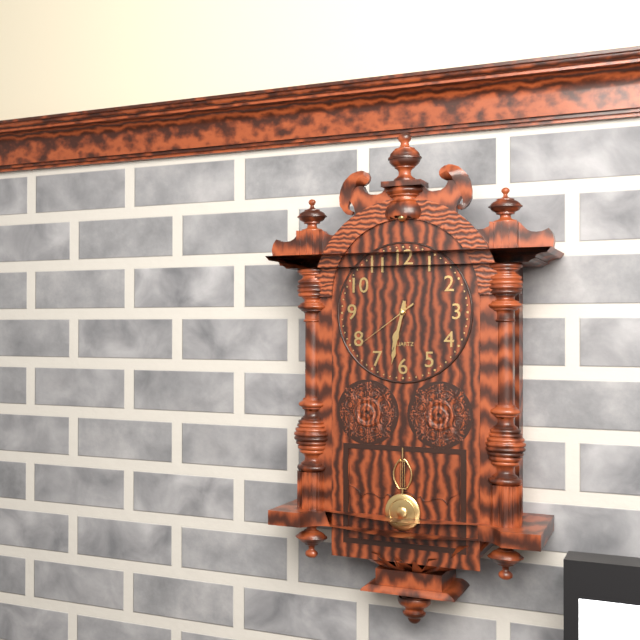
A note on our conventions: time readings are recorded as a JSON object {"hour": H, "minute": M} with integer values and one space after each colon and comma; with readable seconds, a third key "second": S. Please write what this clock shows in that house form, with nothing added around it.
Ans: {"hour": 6, "minute": 32, "second": 39}
